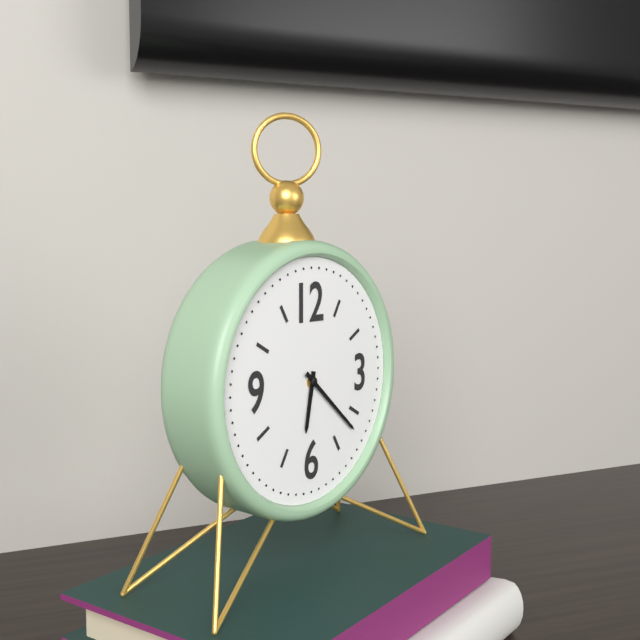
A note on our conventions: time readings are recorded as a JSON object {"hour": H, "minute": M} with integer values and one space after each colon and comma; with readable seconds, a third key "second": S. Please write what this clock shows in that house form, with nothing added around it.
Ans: {"hour": 6, "minute": 22}
